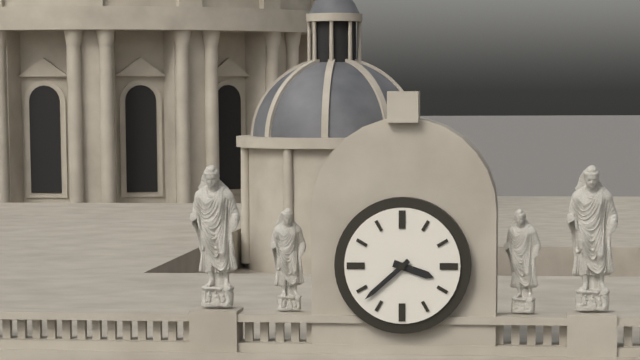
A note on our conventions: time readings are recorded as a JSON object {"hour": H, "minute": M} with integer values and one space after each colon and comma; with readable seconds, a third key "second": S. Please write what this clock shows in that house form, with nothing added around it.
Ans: {"hour": 3, "minute": 38}
